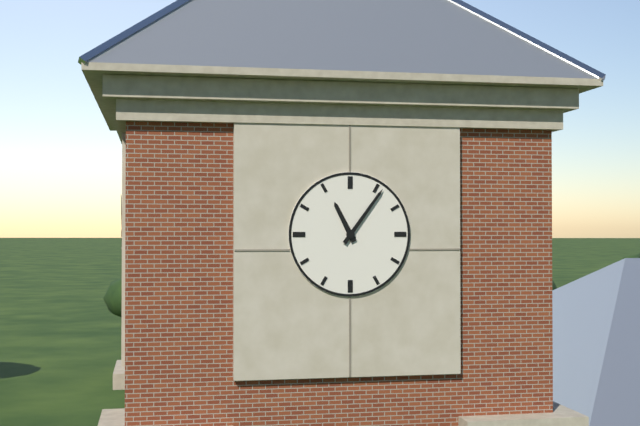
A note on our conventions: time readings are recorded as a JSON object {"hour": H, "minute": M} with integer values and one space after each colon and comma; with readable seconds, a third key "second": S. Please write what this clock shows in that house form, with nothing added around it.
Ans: {"hour": 11, "minute": 6}
